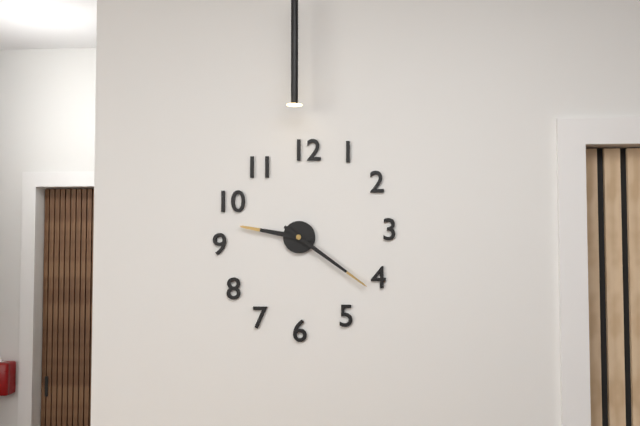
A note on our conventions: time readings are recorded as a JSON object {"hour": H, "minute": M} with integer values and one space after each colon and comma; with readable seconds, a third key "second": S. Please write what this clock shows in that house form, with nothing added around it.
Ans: {"hour": 9, "minute": 21}
